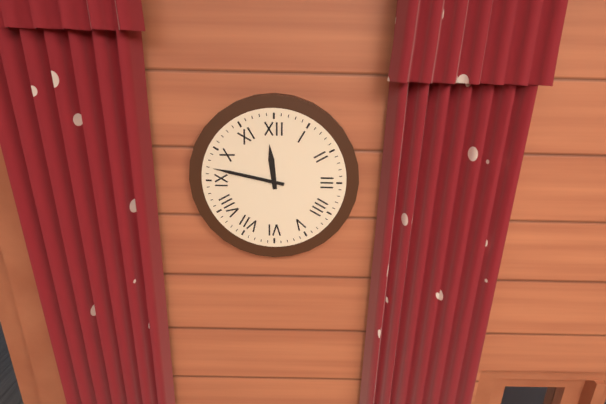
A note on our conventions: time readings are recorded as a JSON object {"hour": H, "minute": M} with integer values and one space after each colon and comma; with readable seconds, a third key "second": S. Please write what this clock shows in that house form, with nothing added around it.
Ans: {"hour": 11, "minute": 47}
